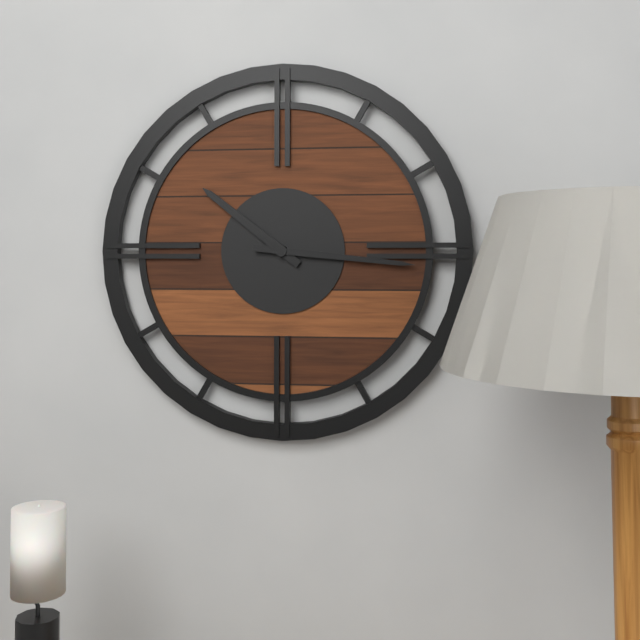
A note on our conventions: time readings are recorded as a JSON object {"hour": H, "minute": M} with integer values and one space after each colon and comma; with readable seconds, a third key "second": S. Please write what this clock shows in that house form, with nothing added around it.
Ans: {"hour": 10, "minute": 16}
